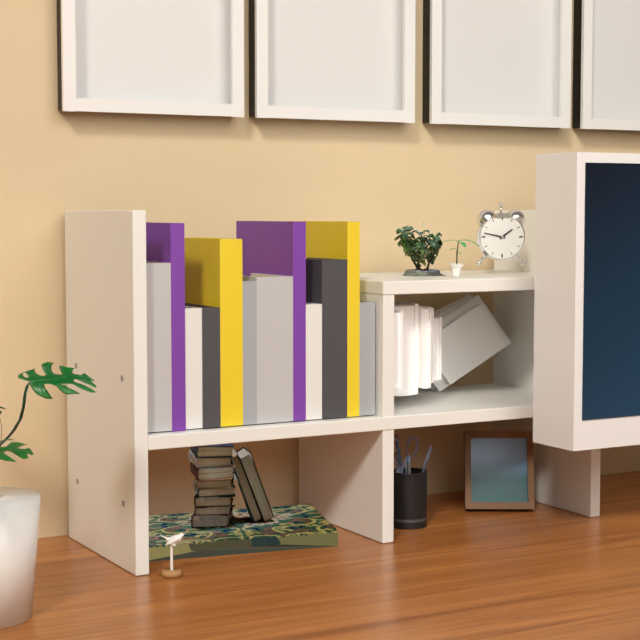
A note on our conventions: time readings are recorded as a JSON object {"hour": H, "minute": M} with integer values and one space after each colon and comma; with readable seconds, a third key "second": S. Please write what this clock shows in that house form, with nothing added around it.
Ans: {"hour": 1, "minute": 47}
